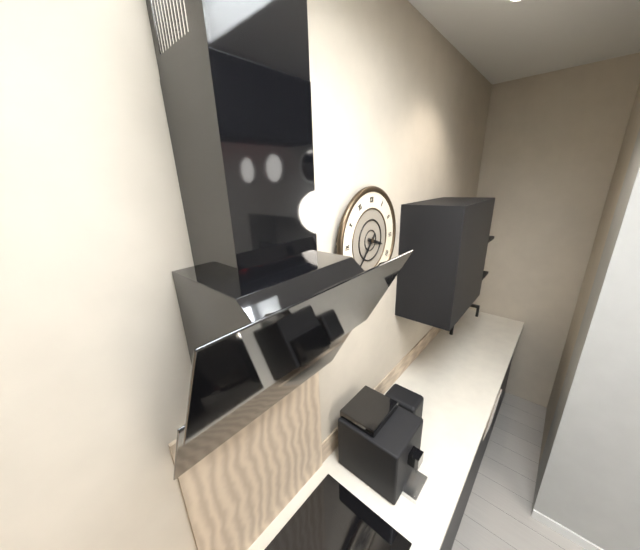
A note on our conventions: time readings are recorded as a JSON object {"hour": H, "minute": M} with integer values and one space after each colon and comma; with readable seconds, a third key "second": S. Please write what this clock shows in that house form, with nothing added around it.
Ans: {"hour": 3, "minute": 37}
